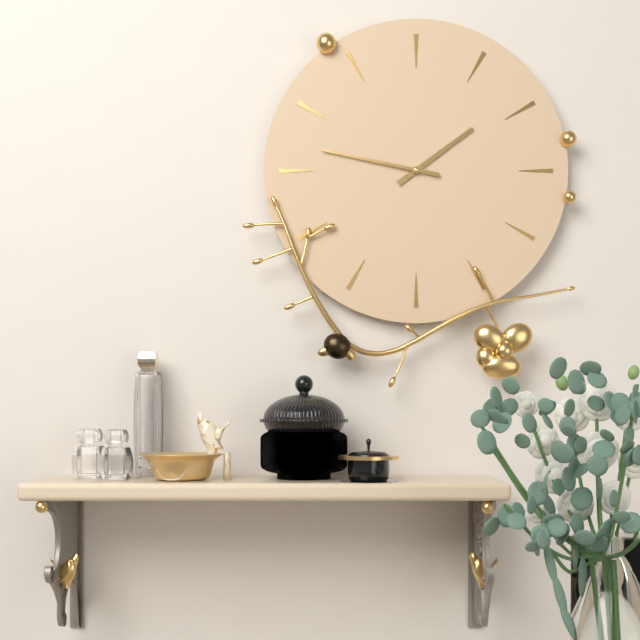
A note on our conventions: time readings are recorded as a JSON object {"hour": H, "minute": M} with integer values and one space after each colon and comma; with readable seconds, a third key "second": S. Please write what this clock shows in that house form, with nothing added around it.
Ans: {"hour": 1, "minute": 47}
